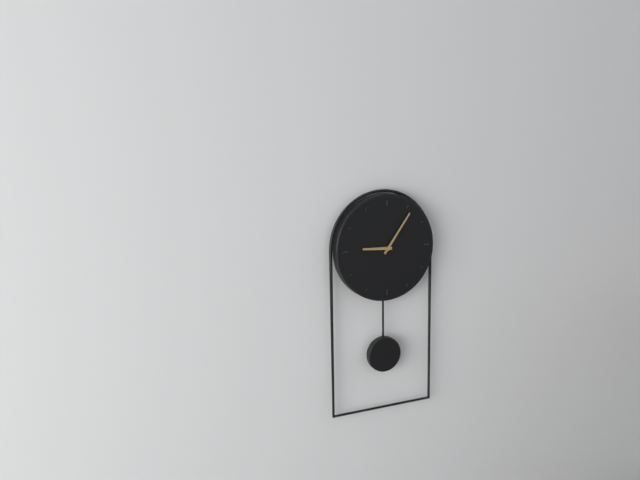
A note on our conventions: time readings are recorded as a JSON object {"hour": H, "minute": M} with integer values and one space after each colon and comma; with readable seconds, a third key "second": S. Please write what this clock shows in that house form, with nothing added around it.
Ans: {"hour": 9, "minute": 6}
